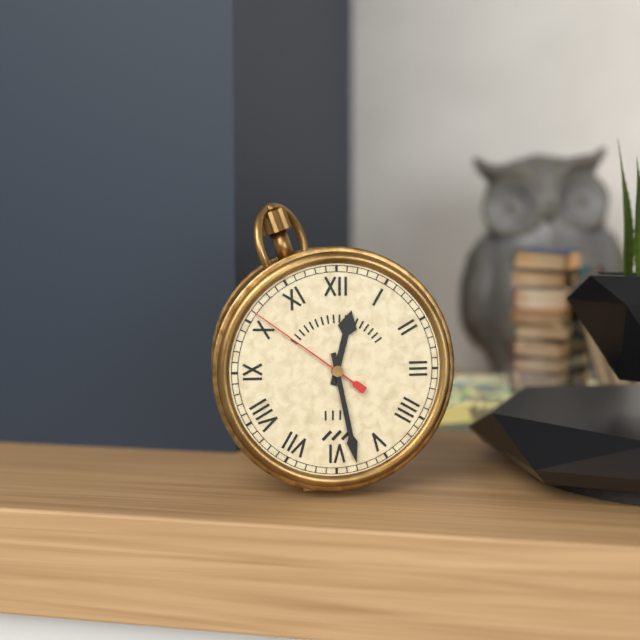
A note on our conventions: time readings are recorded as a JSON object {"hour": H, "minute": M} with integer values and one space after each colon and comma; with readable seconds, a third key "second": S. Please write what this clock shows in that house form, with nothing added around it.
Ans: {"hour": 12, "minute": 28, "second": 51}
